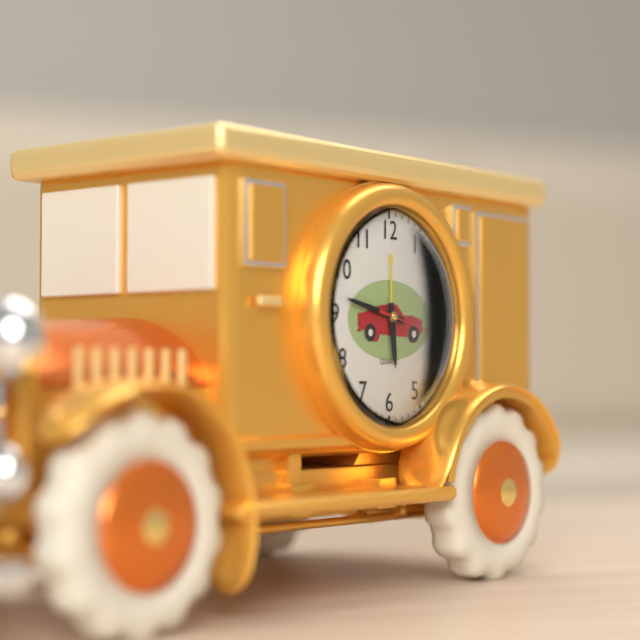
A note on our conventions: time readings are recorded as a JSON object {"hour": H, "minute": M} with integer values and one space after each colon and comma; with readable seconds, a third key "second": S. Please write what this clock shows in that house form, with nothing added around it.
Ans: {"hour": 5, "minute": 47, "second": 17}
